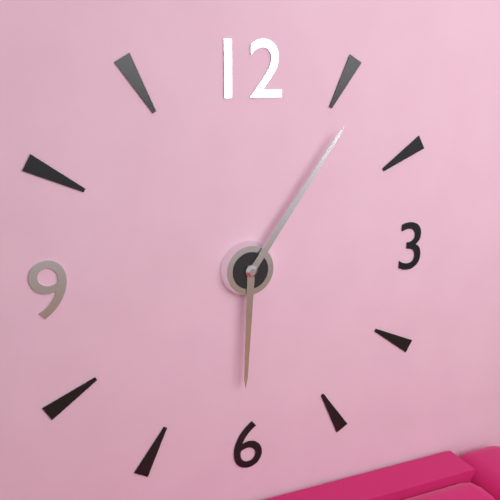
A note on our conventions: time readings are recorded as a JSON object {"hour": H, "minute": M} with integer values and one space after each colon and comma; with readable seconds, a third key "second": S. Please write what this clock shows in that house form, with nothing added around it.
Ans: {"hour": 6, "minute": 6}
